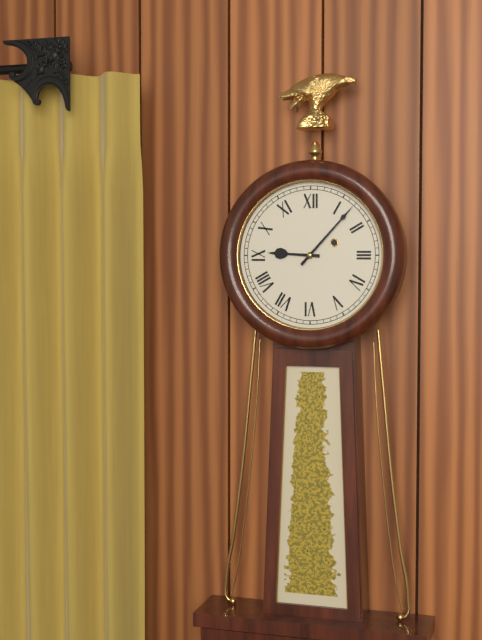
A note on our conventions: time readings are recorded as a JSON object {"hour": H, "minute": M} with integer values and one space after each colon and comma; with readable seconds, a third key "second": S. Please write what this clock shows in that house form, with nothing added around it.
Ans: {"hour": 9, "minute": 7}
